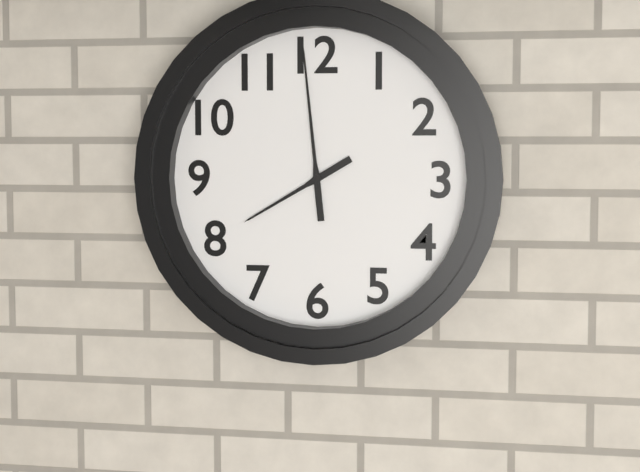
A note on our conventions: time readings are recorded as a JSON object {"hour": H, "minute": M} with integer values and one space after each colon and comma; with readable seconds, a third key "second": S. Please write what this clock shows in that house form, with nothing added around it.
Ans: {"hour": 7, "minute": 59}
